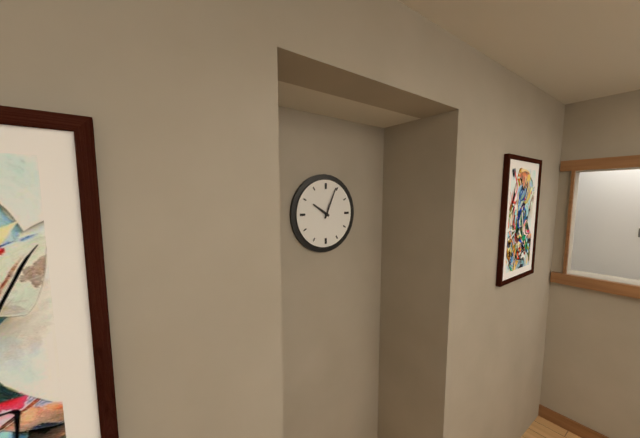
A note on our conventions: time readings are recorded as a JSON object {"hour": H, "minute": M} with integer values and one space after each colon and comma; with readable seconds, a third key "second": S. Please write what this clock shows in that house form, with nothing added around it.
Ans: {"hour": 10, "minute": 4}
